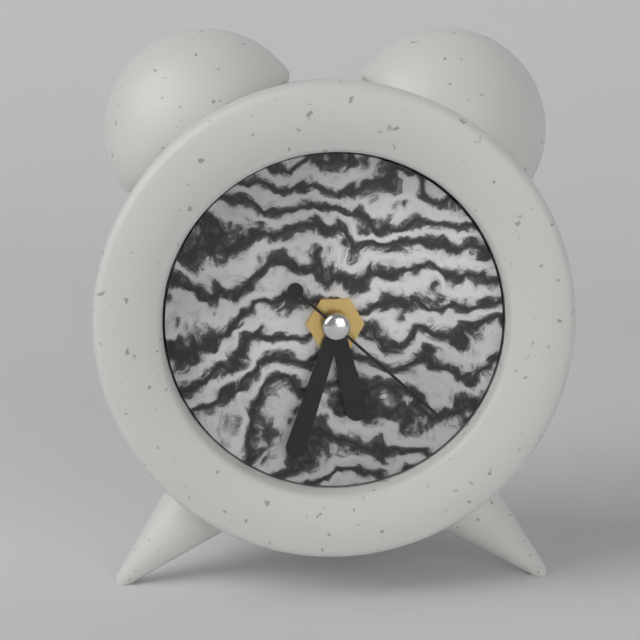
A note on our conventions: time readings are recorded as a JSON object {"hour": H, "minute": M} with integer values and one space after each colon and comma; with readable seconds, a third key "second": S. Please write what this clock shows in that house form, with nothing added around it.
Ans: {"hour": 5, "minute": 33, "second": 22}
